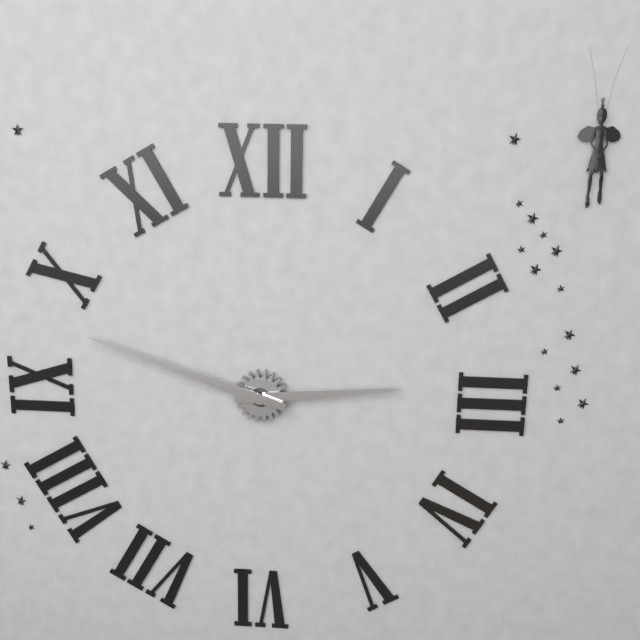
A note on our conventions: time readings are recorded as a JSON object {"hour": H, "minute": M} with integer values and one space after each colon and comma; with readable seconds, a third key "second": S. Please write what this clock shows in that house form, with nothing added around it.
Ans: {"hour": 2, "minute": 48}
